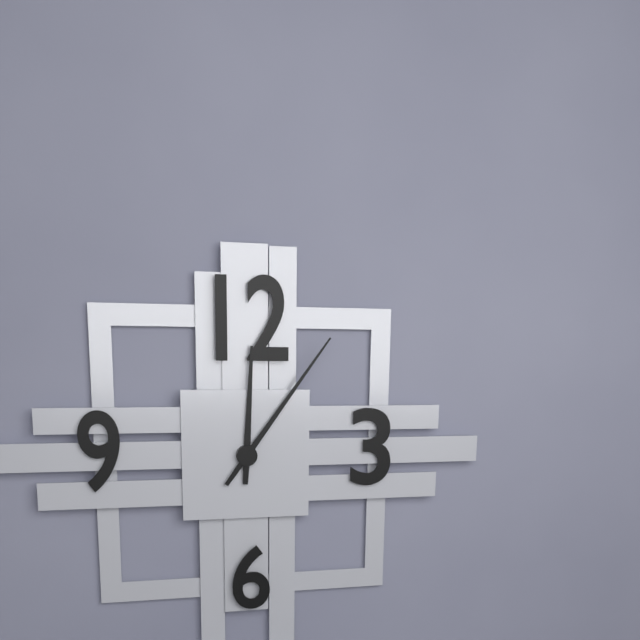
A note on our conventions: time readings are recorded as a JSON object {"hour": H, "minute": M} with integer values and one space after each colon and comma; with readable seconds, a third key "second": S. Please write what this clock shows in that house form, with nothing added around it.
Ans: {"hour": 12, "minute": 6}
